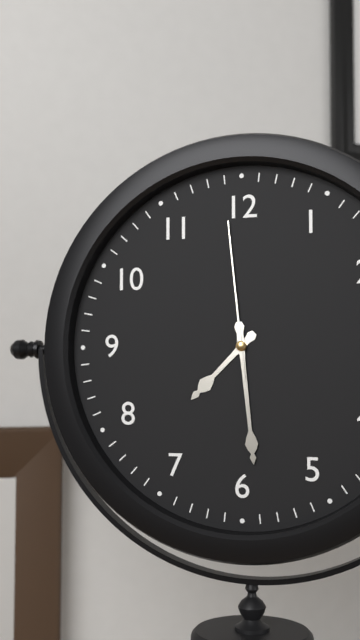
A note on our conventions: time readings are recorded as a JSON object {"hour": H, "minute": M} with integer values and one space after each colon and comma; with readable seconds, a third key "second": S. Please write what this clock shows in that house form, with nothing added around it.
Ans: {"hour": 7, "minute": 29, "second": 59}
